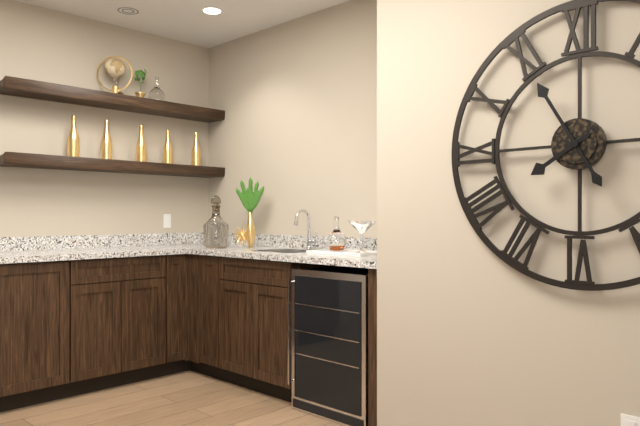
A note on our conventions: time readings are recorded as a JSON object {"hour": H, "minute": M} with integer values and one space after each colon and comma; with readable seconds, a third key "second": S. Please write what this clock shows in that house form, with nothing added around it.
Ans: {"hour": 7, "minute": 55}
